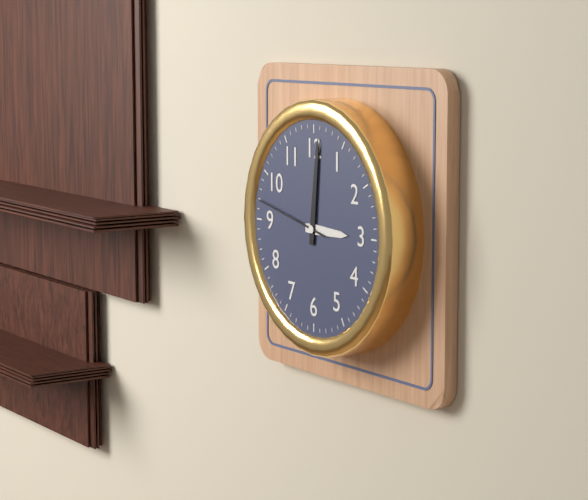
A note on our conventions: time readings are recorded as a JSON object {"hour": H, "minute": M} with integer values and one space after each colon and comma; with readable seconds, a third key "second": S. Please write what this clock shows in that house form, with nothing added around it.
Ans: {"hour": 3, "minute": 1, "second": 47}
